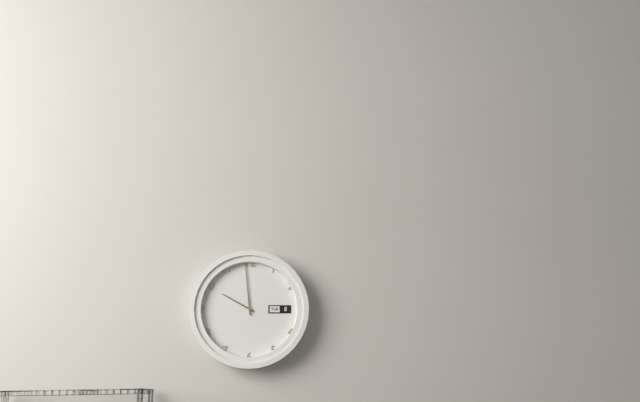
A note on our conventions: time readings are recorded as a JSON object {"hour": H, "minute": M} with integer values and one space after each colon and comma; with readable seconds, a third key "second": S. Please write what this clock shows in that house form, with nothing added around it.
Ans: {"hour": 9, "minute": 59}
